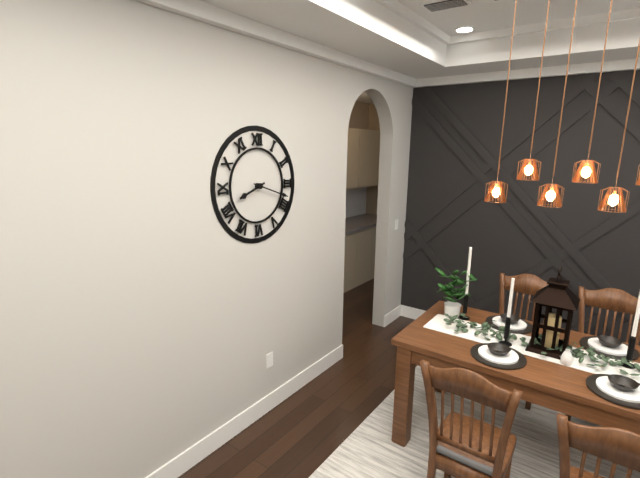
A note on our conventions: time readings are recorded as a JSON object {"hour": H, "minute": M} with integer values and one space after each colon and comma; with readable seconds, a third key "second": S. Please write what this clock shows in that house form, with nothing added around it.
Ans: {"hour": 8, "minute": 18}
